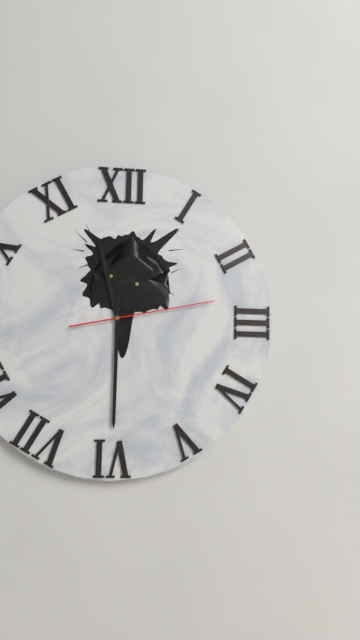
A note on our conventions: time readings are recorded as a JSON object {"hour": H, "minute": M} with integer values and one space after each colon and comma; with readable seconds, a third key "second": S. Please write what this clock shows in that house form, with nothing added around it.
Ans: {"hour": 11, "minute": 30, "second": 13}
